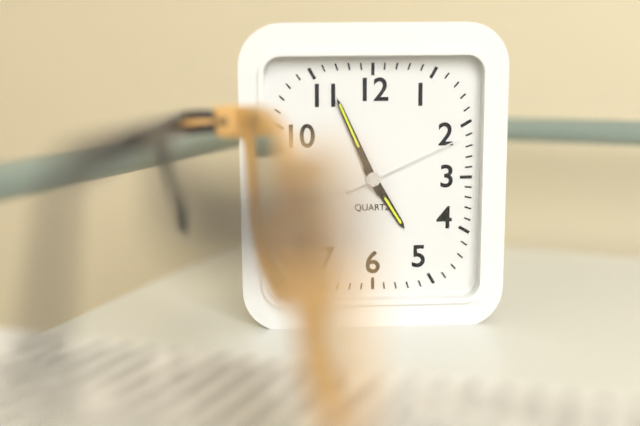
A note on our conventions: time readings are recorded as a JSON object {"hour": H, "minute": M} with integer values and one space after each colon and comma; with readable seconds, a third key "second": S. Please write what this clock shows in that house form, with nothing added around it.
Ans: {"hour": 4, "minute": 56, "second": 11}
